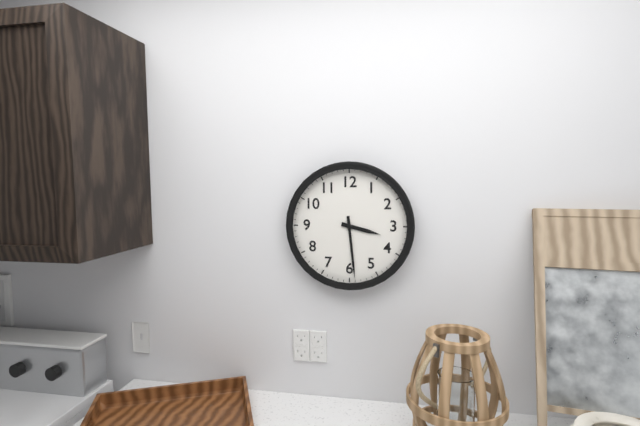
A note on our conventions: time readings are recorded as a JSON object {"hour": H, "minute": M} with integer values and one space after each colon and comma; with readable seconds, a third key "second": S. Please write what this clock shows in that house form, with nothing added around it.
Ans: {"hour": 3, "minute": 29}
